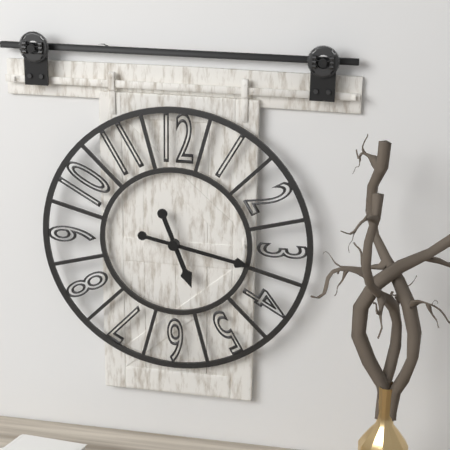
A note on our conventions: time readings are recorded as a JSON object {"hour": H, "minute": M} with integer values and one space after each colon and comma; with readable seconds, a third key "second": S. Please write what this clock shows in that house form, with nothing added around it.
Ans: {"hour": 5, "minute": 17}
